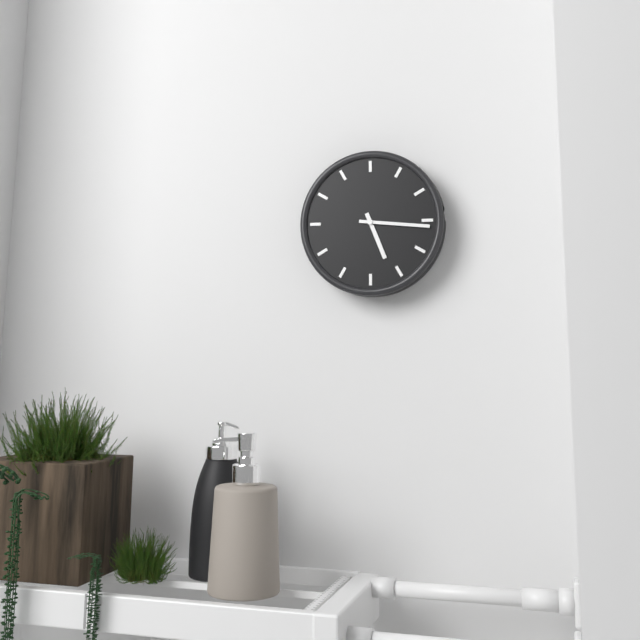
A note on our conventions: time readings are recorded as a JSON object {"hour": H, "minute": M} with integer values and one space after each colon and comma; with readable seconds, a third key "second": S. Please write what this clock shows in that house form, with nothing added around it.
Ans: {"hour": 5, "minute": 16}
